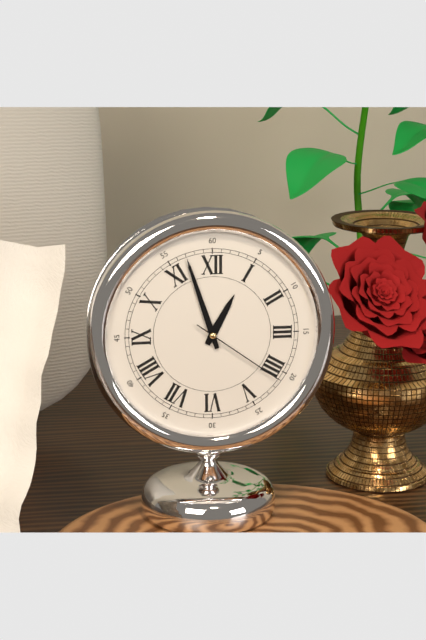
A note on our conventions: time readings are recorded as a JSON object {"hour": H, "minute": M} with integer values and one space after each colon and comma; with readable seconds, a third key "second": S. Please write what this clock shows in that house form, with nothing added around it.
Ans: {"hour": 12, "minute": 57, "second": 21}
